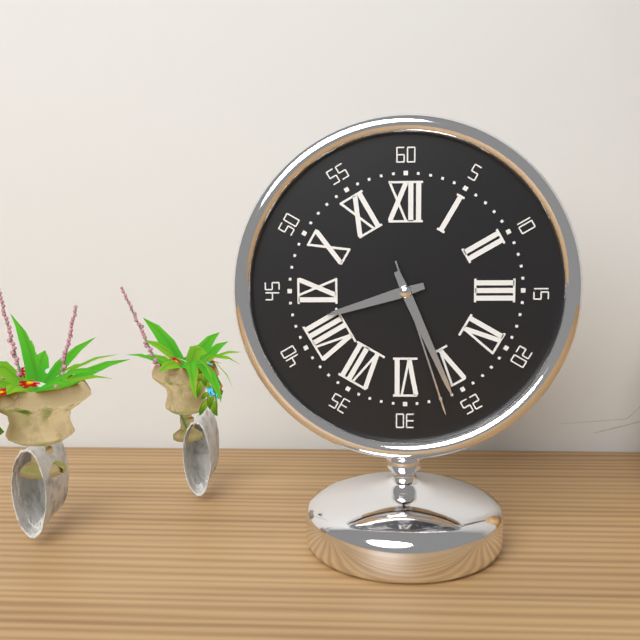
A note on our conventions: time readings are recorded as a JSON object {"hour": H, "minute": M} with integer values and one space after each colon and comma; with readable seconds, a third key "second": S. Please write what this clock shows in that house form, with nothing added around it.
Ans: {"hour": 8, "minute": 26, "second": 27}
